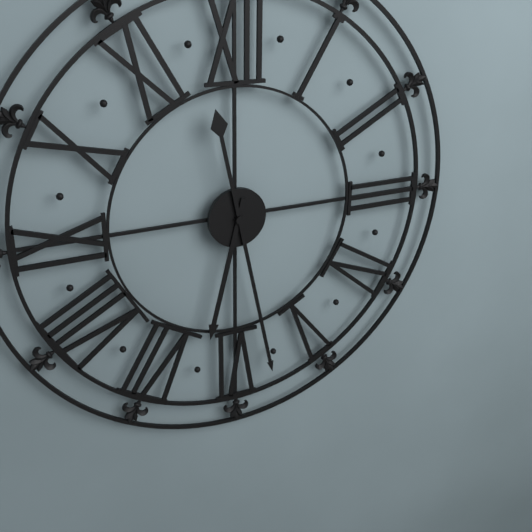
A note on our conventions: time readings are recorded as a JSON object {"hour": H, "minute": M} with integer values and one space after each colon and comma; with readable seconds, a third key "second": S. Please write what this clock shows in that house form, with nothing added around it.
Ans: {"hour": 6, "minute": 28}
